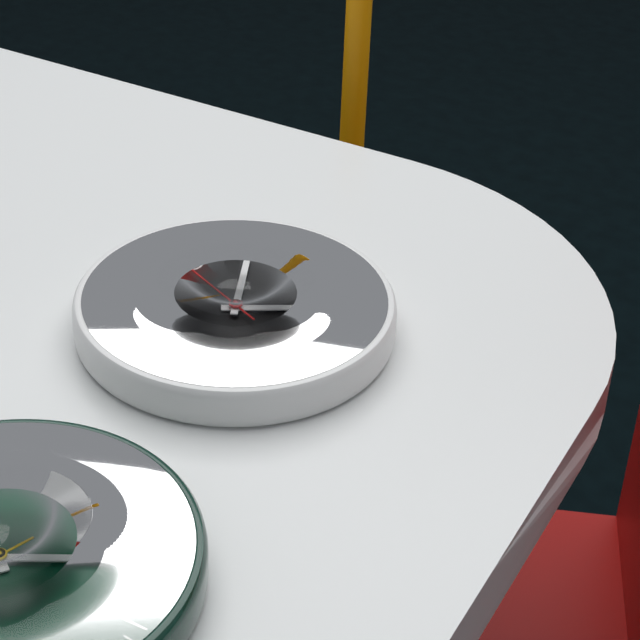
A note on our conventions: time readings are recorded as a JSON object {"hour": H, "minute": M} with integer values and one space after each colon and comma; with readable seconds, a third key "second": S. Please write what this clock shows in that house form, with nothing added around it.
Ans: {"hour": 1, "minute": 56, "second": 49}
